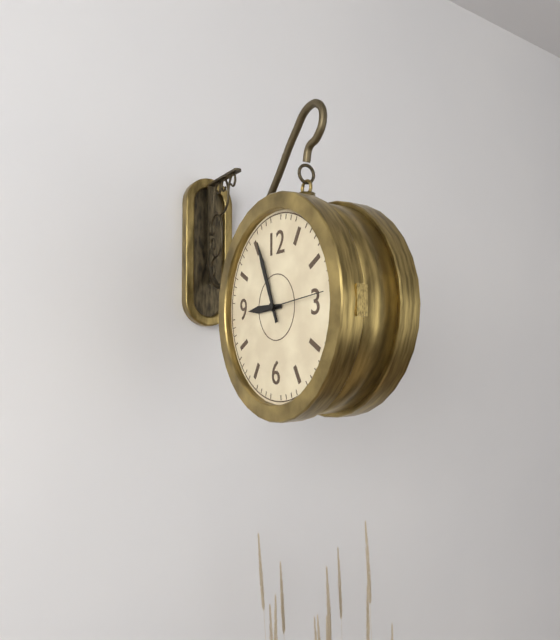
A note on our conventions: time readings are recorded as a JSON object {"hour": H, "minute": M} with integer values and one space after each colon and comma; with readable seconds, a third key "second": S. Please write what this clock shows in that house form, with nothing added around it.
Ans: {"hour": 8, "minute": 56, "second": 14}
